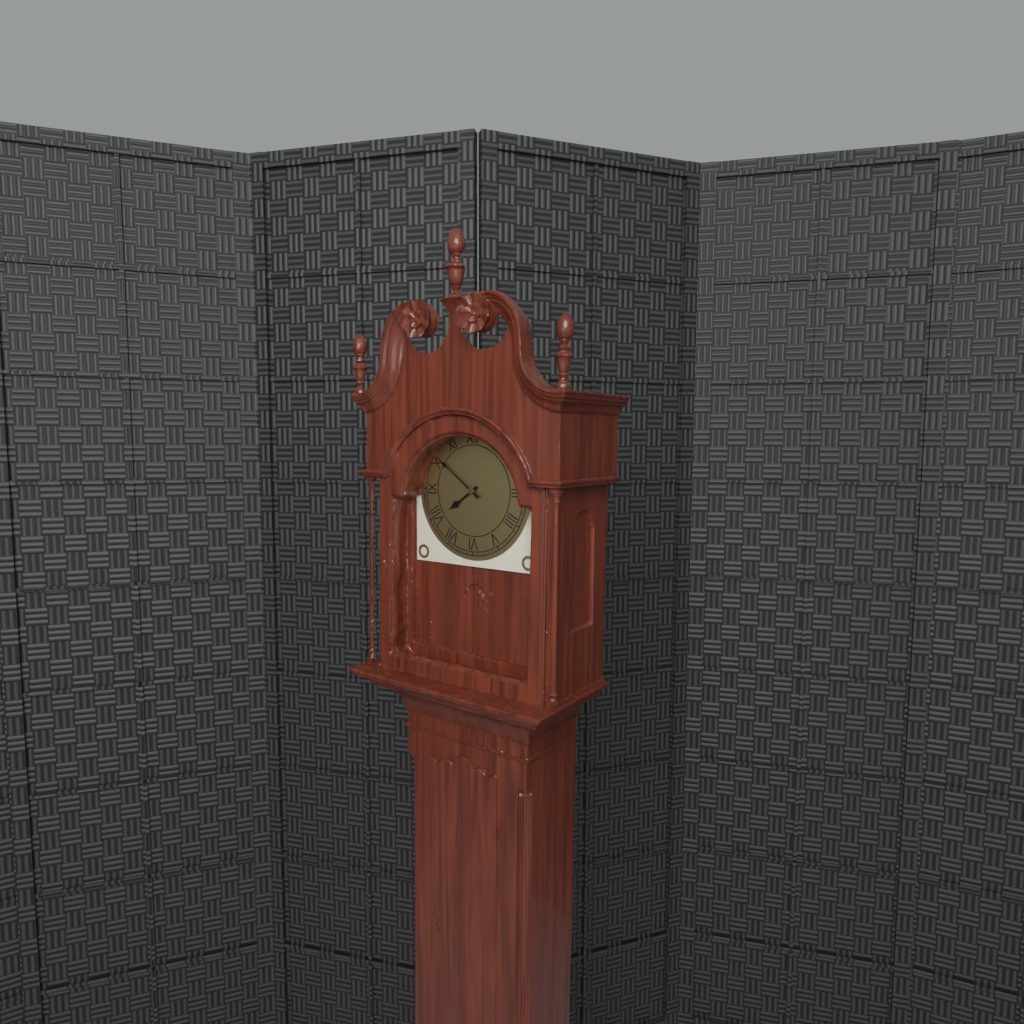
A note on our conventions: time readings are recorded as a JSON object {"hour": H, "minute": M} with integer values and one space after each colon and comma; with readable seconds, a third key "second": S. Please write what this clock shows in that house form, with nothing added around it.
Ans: {"hour": 7, "minute": 51}
